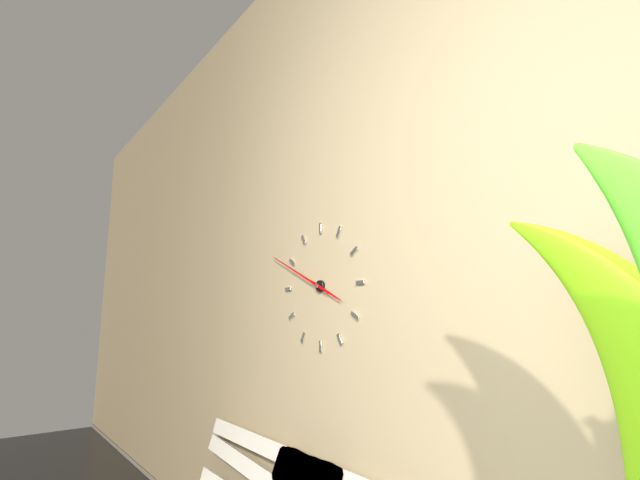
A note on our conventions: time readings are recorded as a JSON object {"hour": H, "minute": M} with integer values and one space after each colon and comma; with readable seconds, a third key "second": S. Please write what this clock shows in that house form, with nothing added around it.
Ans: {"hour": 3, "minute": 49}
